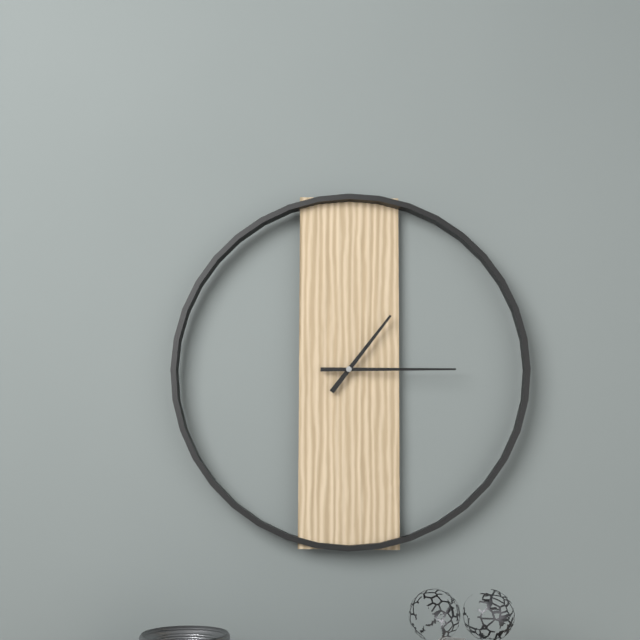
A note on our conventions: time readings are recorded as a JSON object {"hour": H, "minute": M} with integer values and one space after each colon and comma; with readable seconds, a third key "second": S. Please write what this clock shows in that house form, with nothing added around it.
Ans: {"hour": 1, "minute": 15}
